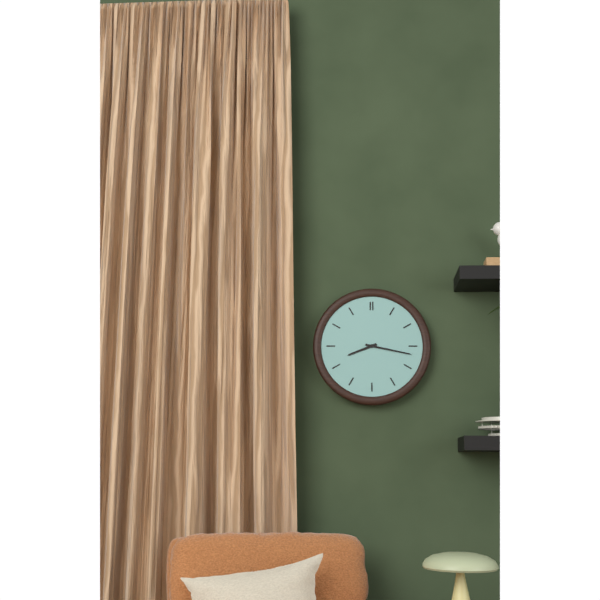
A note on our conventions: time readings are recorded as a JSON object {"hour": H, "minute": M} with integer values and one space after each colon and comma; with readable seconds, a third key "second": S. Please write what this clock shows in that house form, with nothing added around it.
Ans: {"hour": 8, "minute": 17}
